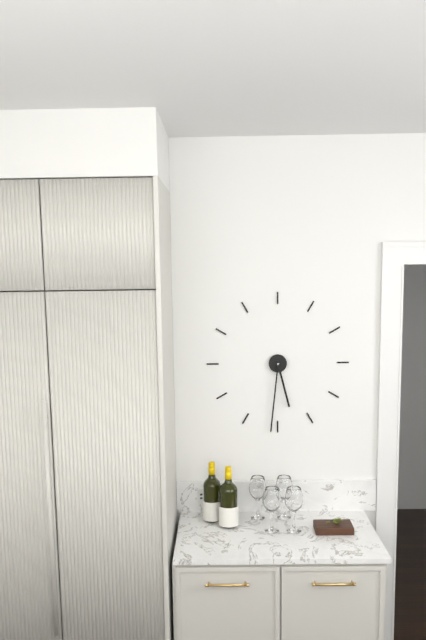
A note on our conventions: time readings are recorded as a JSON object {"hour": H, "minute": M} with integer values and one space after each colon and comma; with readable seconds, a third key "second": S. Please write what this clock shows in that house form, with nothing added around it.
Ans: {"hour": 5, "minute": 31}
